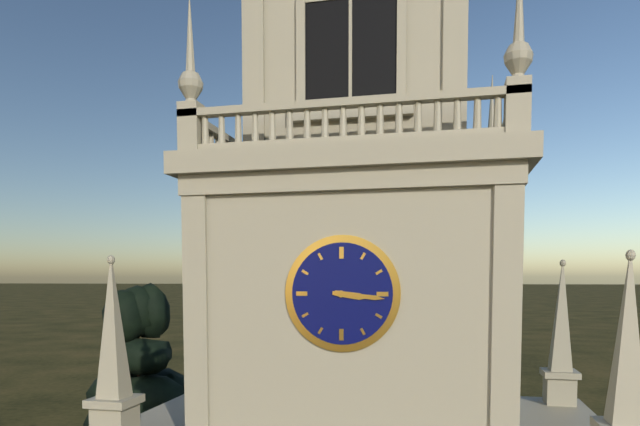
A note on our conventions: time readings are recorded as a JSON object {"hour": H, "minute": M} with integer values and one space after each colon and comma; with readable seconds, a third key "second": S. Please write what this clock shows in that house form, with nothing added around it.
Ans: {"hour": 3, "minute": 16}
